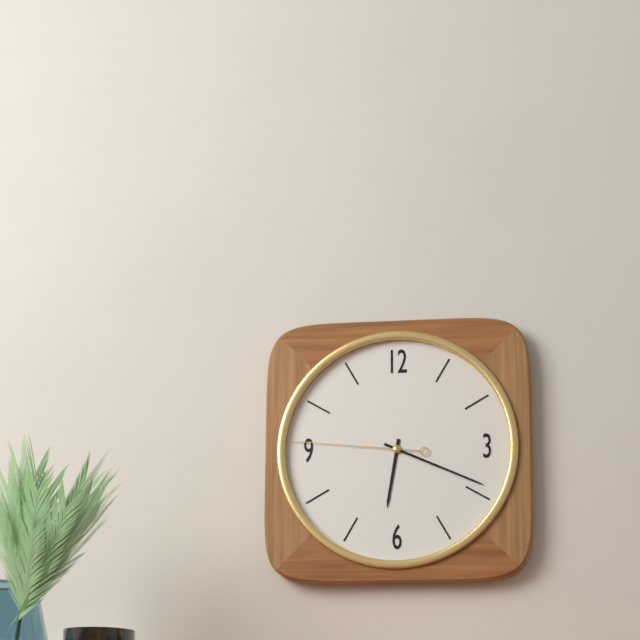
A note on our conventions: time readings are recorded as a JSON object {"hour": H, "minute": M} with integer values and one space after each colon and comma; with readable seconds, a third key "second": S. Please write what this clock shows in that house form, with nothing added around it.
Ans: {"hour": 6, "minute": 19, "second": 46}
